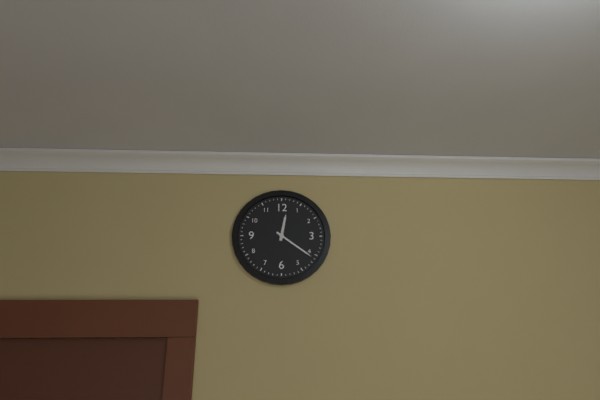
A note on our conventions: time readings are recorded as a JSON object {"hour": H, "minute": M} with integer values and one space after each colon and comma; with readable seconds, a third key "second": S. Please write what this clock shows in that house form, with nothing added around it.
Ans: {"hour": 12, "minute": 21}
